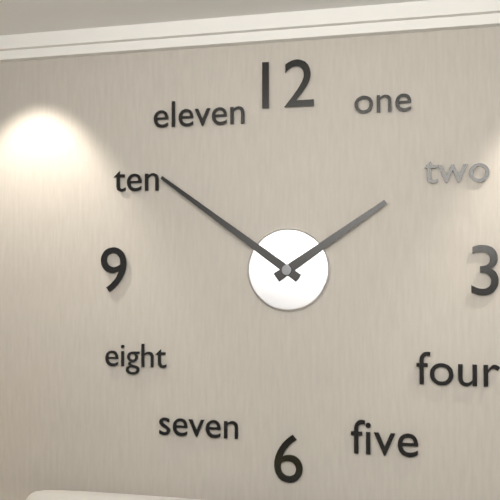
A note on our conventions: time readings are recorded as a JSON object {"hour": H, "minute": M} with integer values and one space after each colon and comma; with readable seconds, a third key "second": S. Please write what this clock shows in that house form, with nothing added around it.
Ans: {"hour": 1, "minute": 51}
